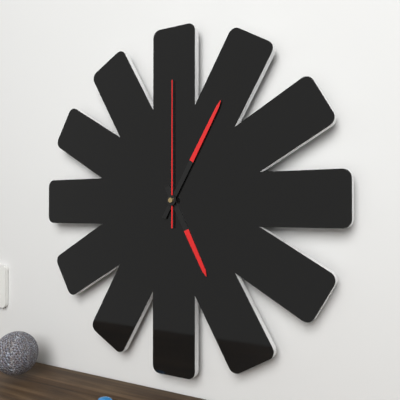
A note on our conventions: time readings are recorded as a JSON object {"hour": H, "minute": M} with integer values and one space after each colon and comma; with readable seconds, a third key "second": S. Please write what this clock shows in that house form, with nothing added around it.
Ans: {"hour": 5, "minute": 5, "second": 0}
